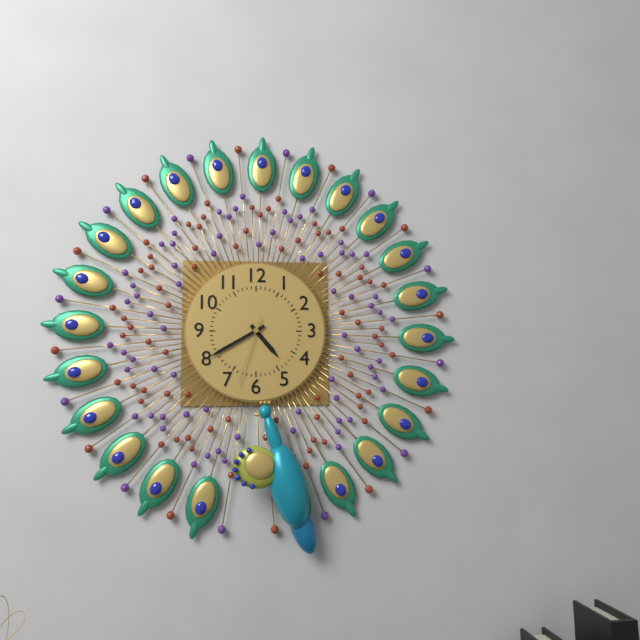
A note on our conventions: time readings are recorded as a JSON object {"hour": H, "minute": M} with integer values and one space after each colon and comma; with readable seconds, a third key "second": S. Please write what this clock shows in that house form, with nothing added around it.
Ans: {"hour": 4, "minute": 40, "second": 33}
